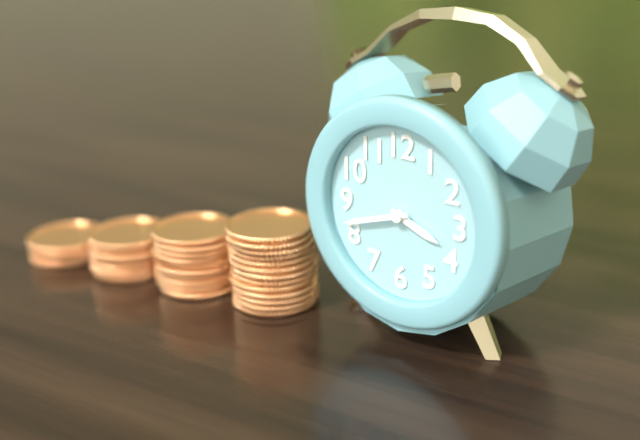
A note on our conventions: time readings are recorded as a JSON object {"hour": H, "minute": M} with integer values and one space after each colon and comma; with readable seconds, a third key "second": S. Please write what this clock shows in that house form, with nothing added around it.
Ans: {"hour": 3, "minute": 42}
